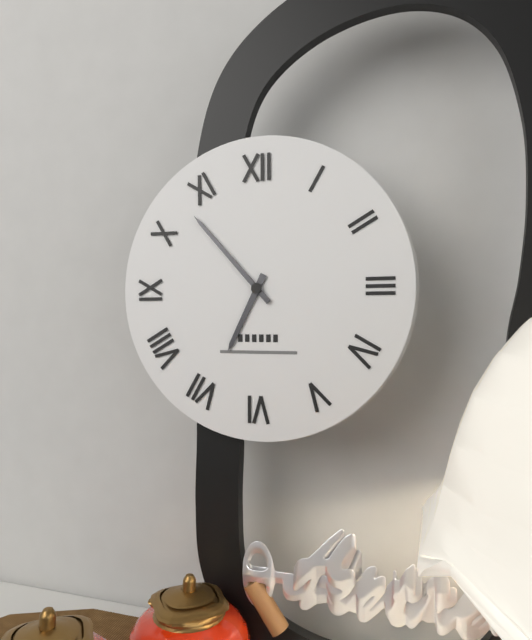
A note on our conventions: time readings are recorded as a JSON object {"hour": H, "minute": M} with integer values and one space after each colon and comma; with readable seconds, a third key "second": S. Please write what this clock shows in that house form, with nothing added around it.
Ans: {"hour": 6, "minute": 53}
